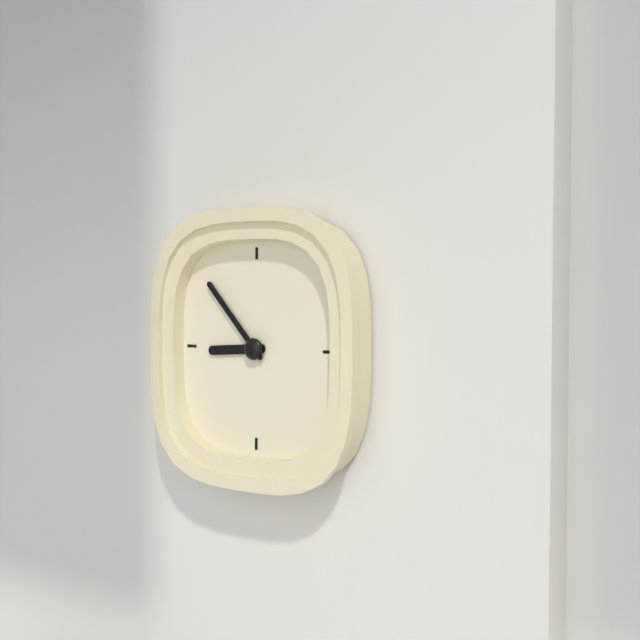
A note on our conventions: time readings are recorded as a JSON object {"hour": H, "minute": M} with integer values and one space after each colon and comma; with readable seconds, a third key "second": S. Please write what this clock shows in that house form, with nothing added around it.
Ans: {"hour": 8, "minute": 53}
